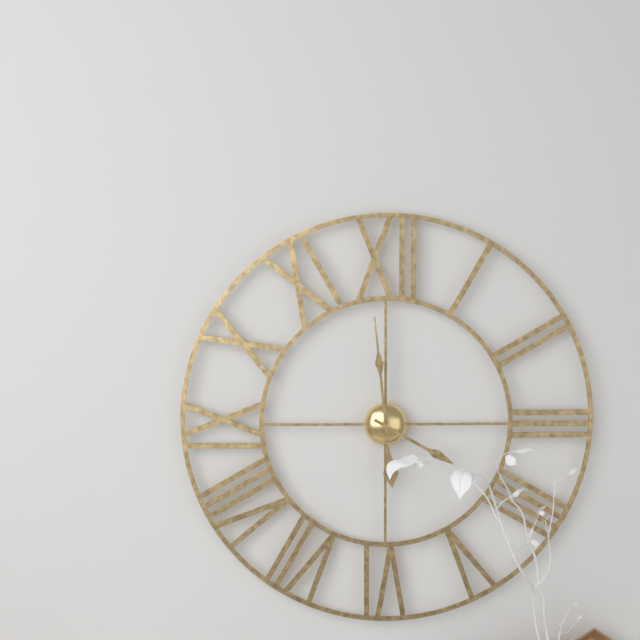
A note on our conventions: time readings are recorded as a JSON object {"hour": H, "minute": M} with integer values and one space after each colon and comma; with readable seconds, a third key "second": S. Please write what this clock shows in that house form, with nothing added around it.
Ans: {"hour": 3, "minute": 59}
